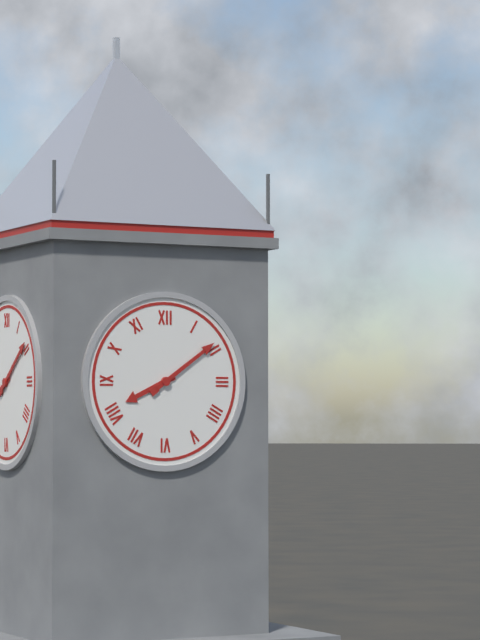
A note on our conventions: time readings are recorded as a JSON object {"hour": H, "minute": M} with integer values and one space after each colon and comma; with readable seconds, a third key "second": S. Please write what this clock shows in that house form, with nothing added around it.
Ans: {"hour": 8, "minute": 9}
